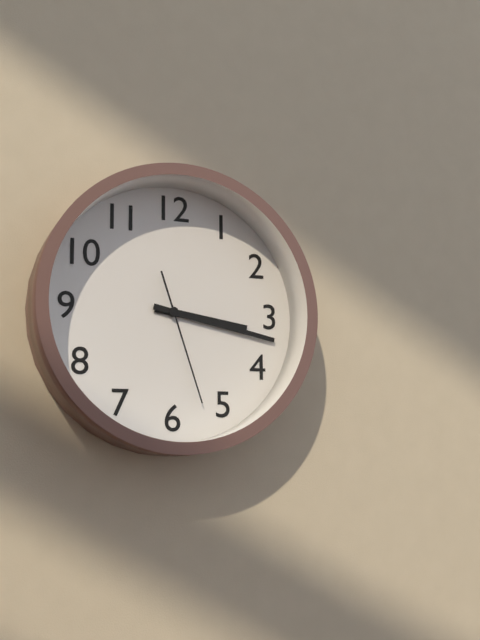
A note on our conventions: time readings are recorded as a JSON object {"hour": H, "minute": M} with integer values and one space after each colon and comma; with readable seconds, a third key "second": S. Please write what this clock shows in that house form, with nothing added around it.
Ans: {"hour": 3, "minute": 17, "second": 27}
